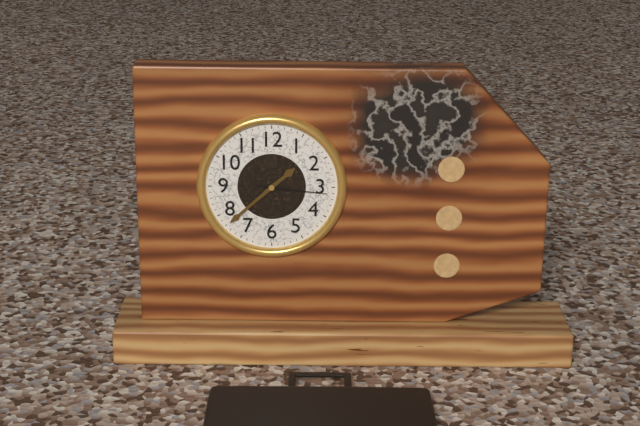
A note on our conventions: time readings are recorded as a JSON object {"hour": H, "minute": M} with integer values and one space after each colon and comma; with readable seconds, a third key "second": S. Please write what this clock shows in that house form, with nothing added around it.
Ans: {"hour": 1, "minute": 38, "second": 16}
